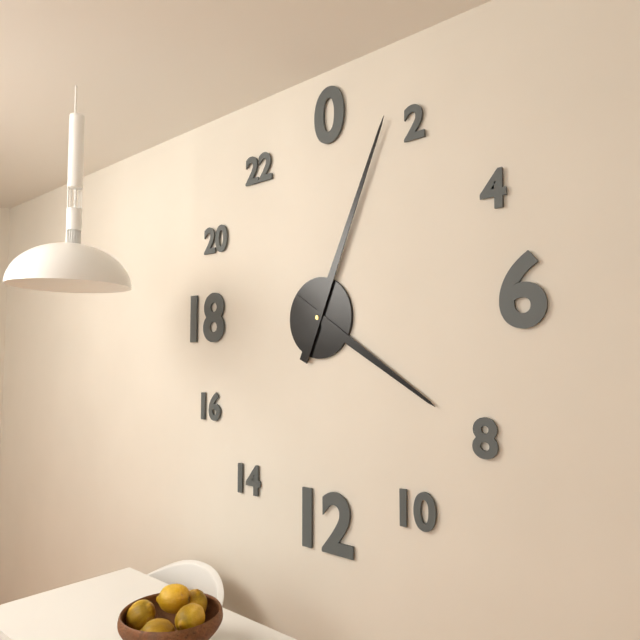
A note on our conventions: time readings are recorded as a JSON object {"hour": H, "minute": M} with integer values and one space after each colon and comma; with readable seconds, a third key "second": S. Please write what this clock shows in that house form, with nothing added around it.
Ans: {"hour": 4, "minute": 4}
